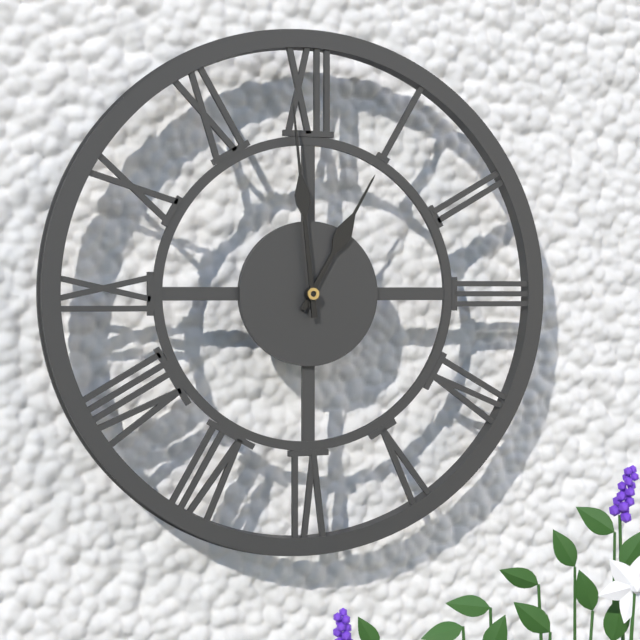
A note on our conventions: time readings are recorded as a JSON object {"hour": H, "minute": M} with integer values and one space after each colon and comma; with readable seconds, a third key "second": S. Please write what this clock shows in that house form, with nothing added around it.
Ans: {"hour": 12, "minute": 59}
